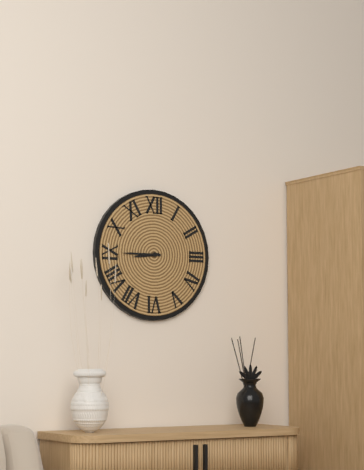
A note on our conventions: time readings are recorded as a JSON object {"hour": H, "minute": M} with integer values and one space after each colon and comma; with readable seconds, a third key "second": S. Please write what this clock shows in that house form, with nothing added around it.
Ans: {"hour": 8, "minute": 45}
